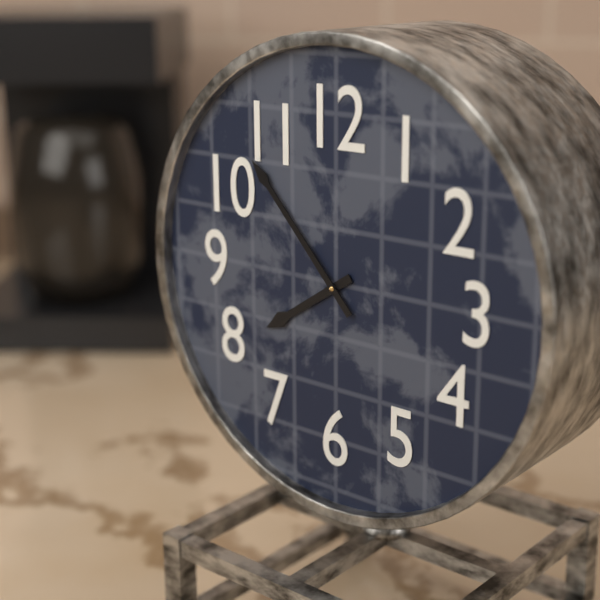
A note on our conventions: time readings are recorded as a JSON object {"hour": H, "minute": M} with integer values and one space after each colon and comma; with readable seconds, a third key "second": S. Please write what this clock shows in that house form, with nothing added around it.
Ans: {"hour": 7, "minute": 53}
